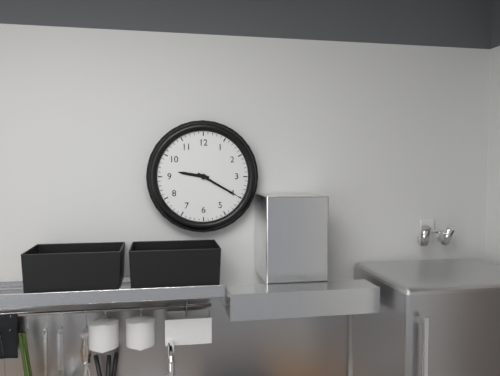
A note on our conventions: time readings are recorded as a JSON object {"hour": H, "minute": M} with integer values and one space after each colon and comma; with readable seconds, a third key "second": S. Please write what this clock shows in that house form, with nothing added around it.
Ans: {"hour": 9, "minute": 20}
